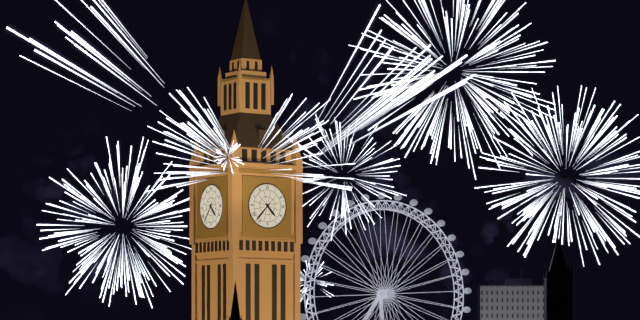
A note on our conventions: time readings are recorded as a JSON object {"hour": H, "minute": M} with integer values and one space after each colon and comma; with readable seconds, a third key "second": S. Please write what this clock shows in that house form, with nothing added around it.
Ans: {"hour": 4, "minute": 37}
